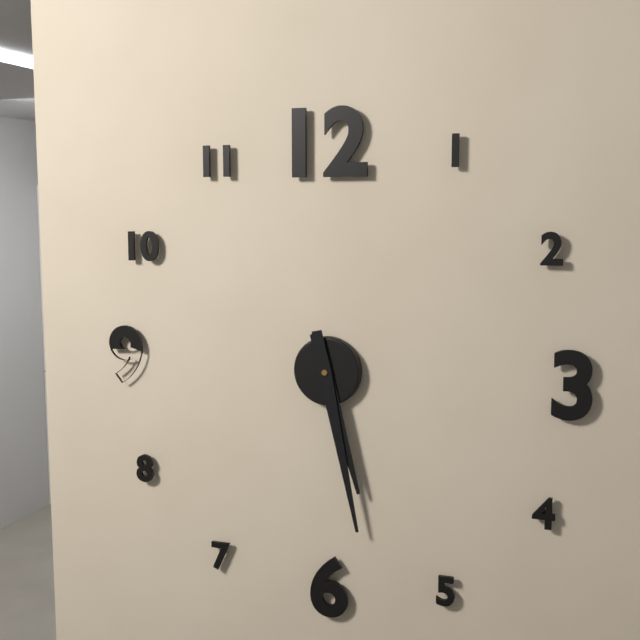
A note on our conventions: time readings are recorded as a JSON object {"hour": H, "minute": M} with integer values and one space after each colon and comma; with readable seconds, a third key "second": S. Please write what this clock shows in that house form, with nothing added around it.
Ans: {"hour": 5, "minute": 28}
